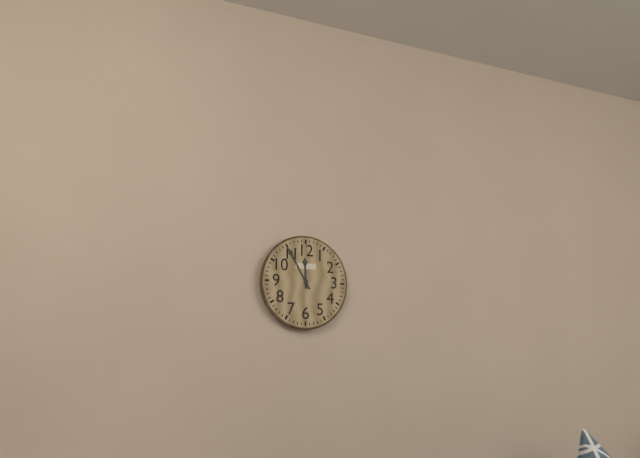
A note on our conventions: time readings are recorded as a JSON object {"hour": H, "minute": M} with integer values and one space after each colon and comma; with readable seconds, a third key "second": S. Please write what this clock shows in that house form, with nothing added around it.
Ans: {"hour": 11, "minute": 55}
